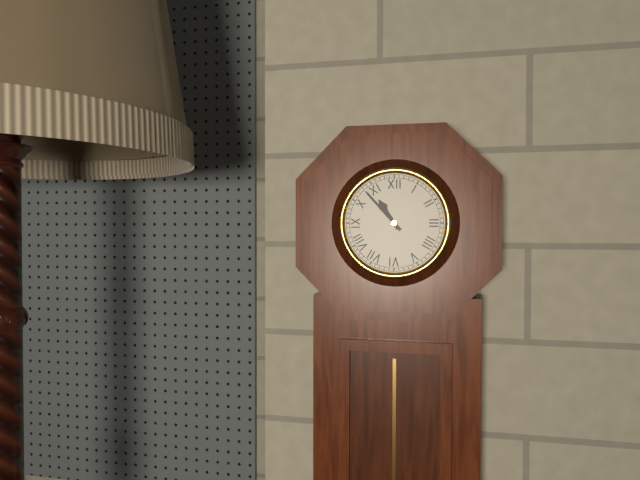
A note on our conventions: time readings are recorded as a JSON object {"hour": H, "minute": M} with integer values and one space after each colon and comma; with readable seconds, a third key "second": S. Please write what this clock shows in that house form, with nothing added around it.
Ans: {"hour": 10, "minute": 53}
